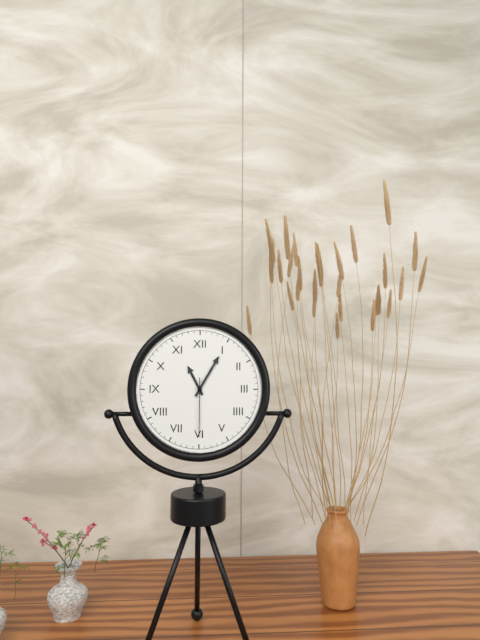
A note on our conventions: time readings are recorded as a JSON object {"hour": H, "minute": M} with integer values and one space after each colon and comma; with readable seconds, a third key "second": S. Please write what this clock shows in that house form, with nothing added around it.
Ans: {"hour": 11, "minute": 5, "second": 30}
